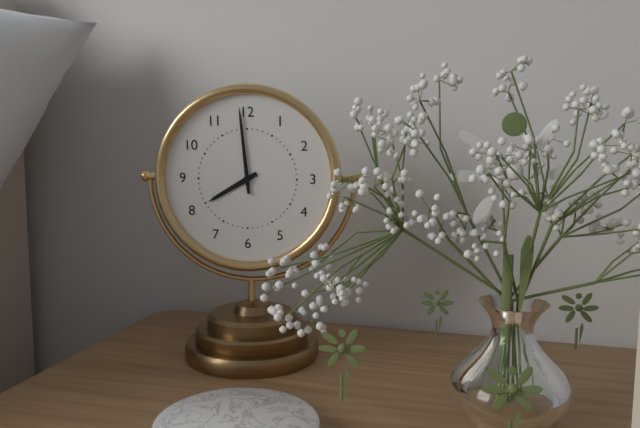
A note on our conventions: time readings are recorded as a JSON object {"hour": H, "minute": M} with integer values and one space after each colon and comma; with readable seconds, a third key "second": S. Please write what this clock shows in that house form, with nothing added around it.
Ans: {"hour": 7, "minute": 59}
